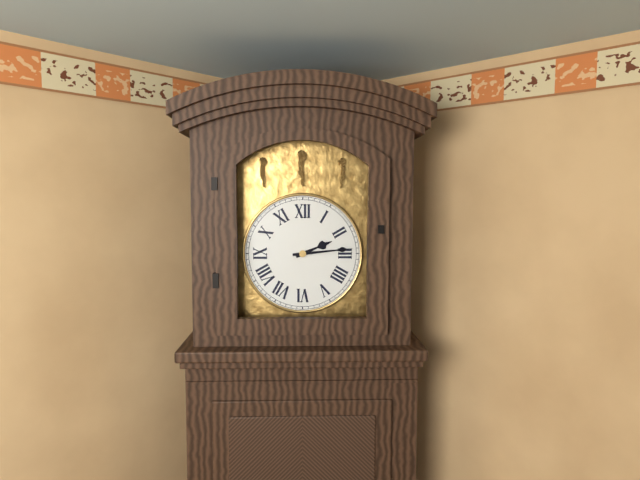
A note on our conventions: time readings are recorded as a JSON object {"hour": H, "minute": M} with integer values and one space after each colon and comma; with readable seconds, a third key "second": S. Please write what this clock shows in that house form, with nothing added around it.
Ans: {"hour": 2, "minute": 14}
